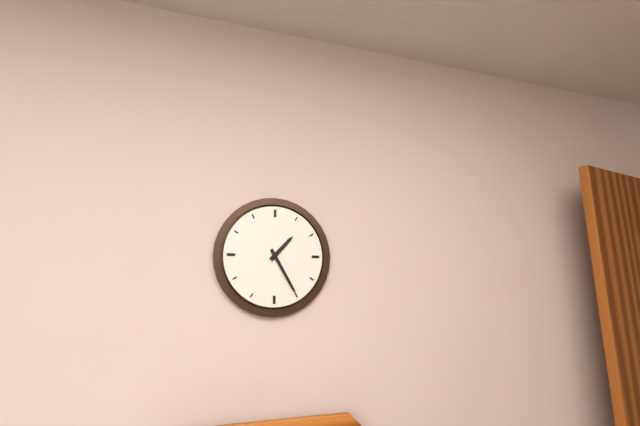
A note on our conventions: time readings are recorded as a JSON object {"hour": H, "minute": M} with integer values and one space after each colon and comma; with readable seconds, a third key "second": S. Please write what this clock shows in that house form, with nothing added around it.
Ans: {"hour": 1, "minute": 25}
